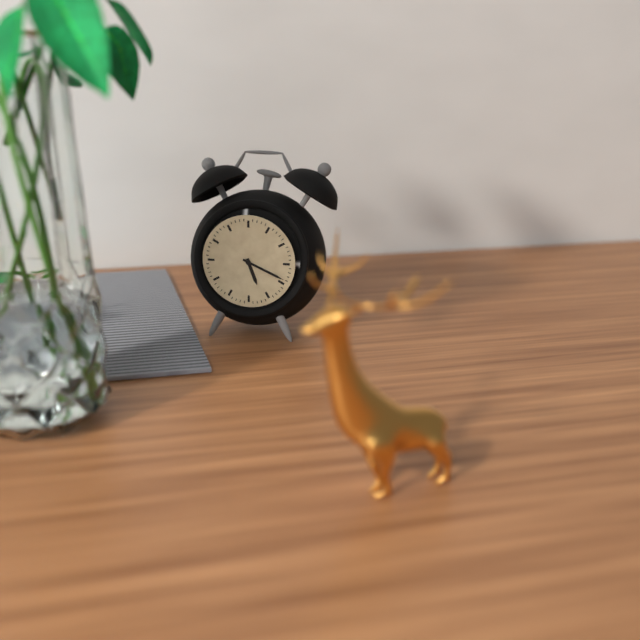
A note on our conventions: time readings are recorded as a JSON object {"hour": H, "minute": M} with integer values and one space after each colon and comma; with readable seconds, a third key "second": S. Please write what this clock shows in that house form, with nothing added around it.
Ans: {"hour": 5, "minute": 19}
